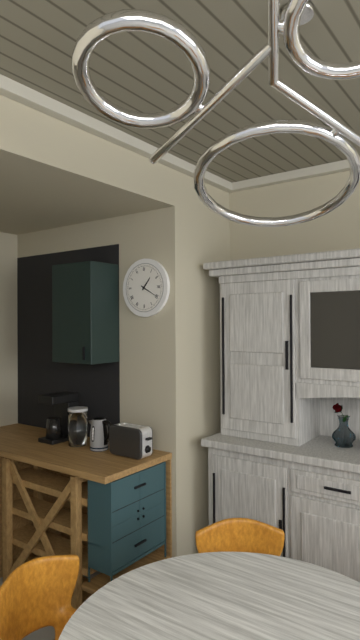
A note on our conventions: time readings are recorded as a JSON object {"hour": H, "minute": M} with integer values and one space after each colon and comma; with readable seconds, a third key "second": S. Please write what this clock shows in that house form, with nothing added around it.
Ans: {"hour": 1, "minute": 20}
